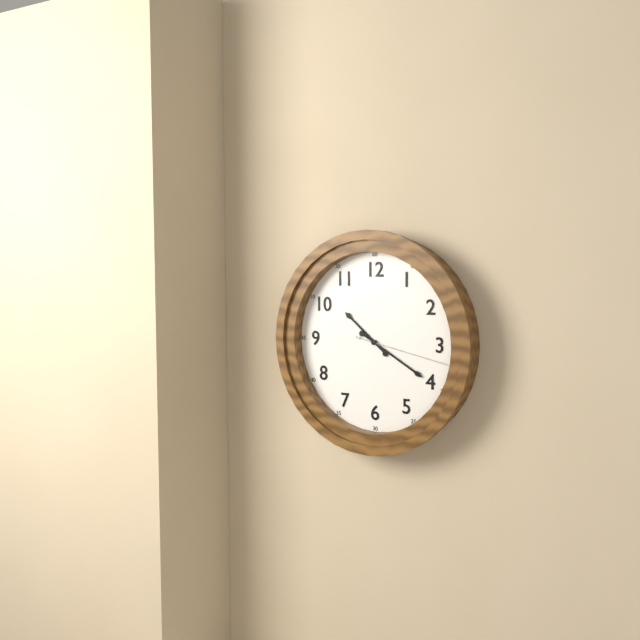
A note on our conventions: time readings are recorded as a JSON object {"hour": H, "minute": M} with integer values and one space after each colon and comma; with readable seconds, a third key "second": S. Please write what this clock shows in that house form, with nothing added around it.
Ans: {"hour": 10, "minute": 20, "second": 17}
